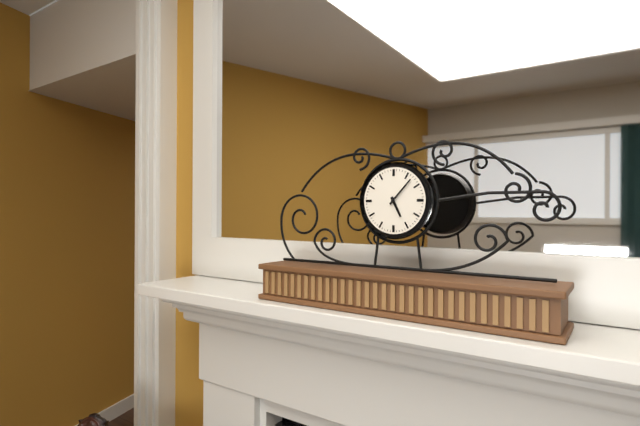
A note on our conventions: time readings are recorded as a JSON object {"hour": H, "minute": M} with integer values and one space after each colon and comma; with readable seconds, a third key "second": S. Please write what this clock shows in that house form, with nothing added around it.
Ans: {"hour": 5, "minute": 7}
